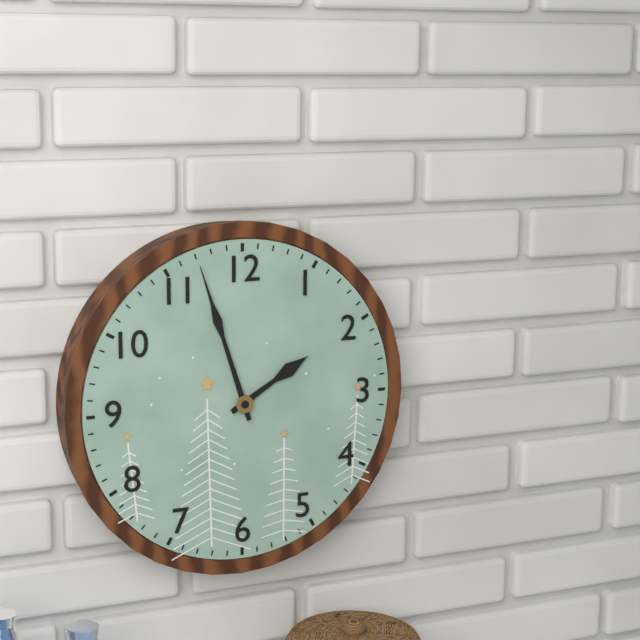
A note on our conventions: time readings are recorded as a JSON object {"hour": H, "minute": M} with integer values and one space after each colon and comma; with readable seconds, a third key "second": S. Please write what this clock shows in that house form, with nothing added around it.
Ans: {"hour": 1, "minute": 57}
